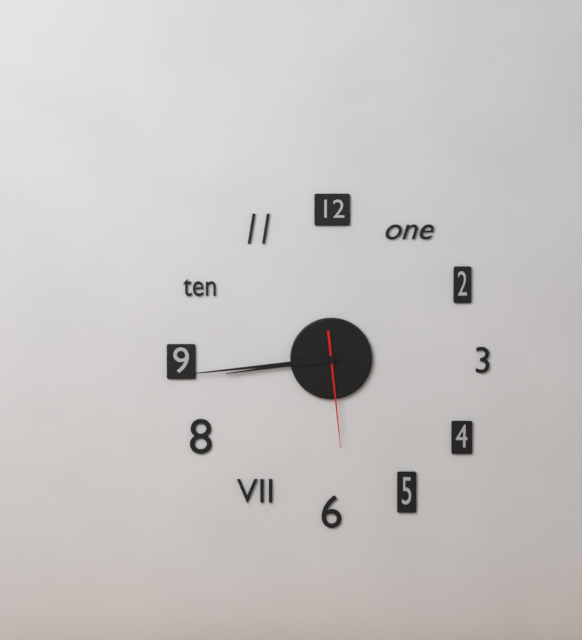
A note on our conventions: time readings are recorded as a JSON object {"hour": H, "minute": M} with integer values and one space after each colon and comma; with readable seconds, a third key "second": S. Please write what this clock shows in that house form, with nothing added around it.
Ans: {"hour": 8, "minute": 44, "second": 29}
